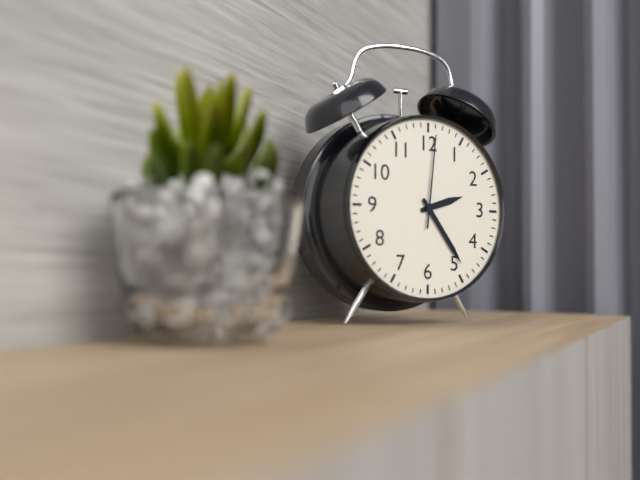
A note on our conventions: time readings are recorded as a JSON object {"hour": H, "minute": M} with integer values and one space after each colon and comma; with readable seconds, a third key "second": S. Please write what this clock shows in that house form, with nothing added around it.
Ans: {"hour": 2, "minute": 24, "second": 1}
